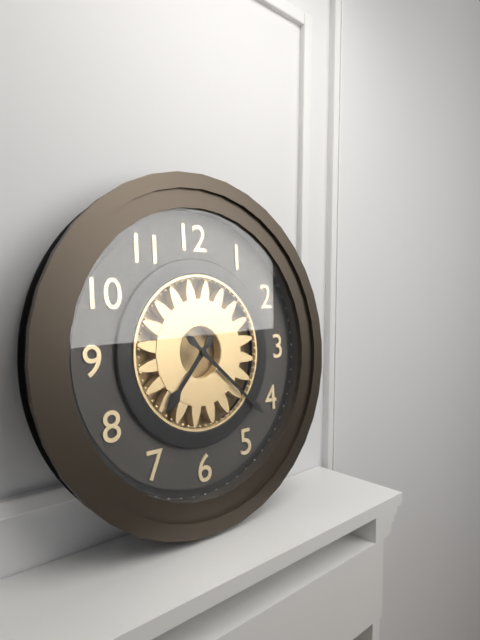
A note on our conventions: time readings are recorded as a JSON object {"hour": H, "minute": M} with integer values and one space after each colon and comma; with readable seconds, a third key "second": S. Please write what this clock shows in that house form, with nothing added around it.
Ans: {"hour": 7, "minute": 22}
